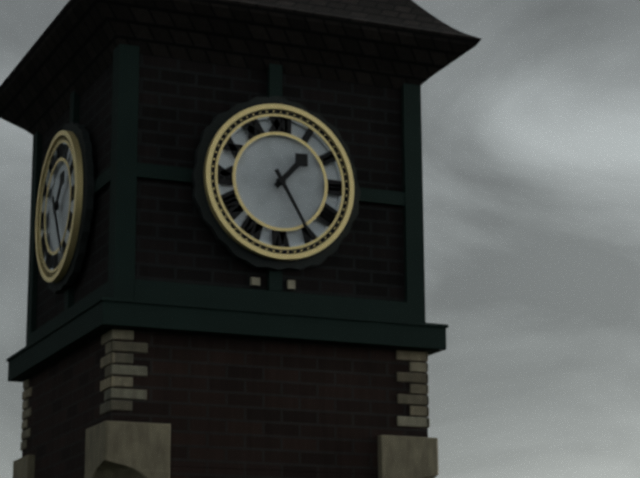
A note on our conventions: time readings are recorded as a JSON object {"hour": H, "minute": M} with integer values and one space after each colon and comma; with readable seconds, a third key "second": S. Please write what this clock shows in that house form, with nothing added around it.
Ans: {"hour": 1, "minute": 25}
